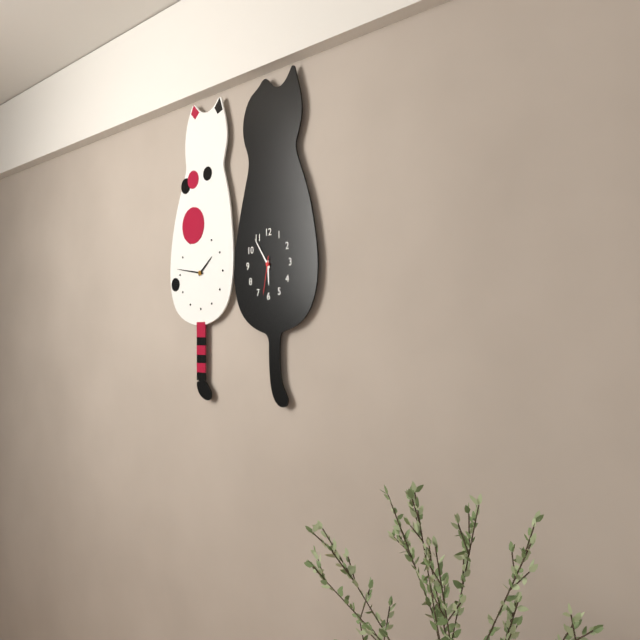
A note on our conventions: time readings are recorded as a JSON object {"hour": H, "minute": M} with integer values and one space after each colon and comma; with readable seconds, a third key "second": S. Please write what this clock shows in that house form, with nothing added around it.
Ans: {"hour": 5, "minute": 54}
